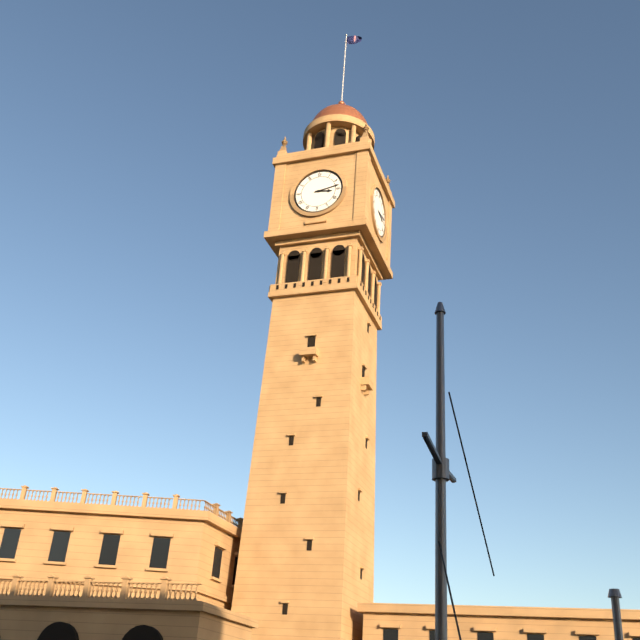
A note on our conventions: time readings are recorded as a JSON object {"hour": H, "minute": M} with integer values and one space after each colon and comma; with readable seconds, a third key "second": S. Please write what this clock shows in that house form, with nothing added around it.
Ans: {"hour": 3, "minute": 13}
